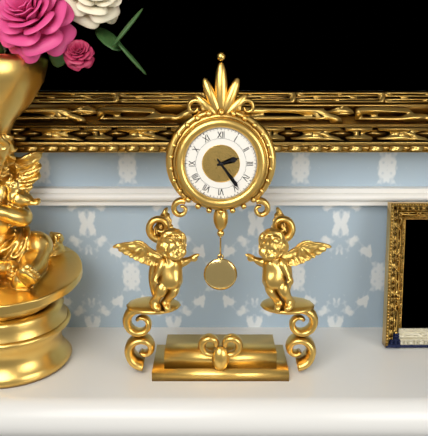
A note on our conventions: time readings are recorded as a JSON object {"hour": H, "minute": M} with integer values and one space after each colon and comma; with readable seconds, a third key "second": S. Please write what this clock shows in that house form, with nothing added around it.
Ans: {"hour": 2, "minute": 24}
